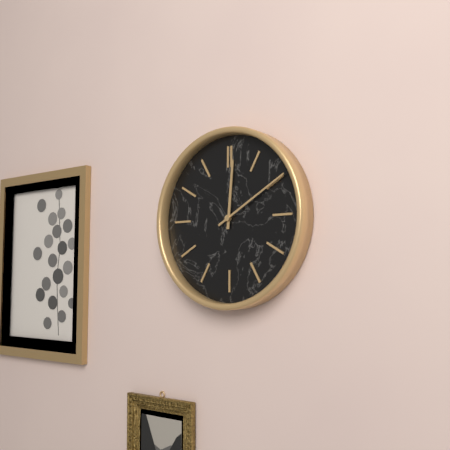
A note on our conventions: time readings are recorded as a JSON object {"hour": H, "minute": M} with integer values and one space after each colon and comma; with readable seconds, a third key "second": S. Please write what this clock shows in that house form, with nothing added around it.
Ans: {"hour": 12, "minute": 10}
